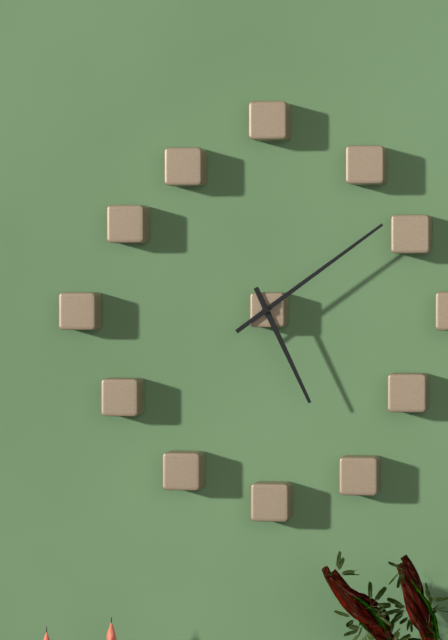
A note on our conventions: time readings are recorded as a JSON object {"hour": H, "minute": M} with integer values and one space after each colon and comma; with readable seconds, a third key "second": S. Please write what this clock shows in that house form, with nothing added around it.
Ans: {"hour": 5, "minute": 9}
